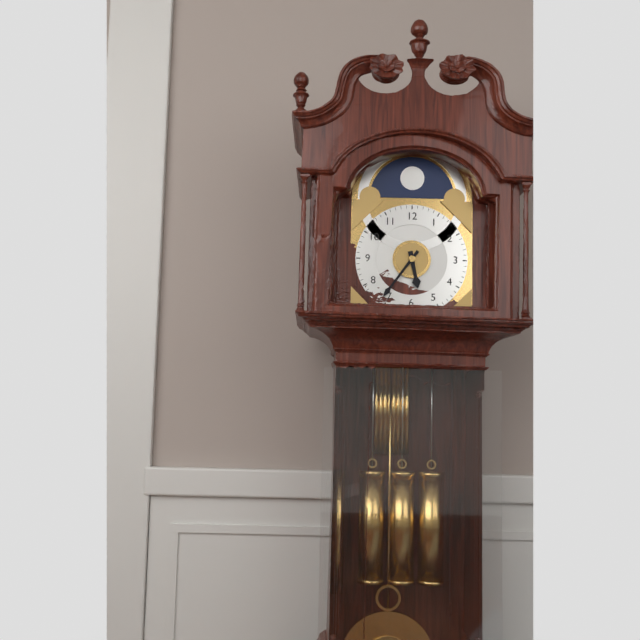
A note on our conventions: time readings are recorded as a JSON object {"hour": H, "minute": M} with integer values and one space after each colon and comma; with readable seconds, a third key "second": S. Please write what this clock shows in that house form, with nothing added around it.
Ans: {"hour": 5, "minute": 36}
